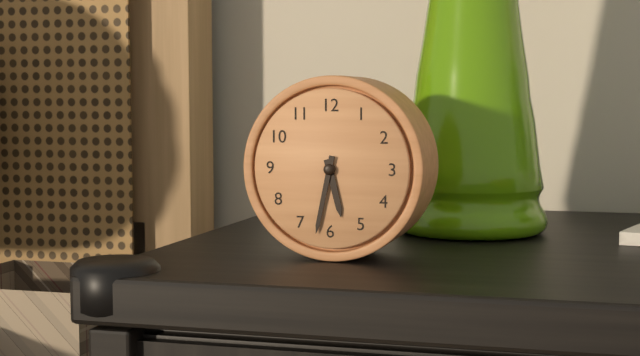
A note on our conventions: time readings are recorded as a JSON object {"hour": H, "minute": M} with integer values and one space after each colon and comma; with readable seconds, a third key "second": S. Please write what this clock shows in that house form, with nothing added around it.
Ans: {"hour": 5, "minute": 32}
